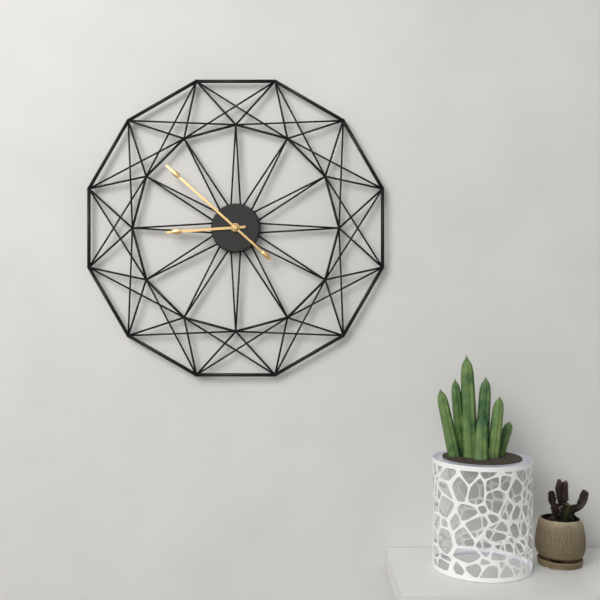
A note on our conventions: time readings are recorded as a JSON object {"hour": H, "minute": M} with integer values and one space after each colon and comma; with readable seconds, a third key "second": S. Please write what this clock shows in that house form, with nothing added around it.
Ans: {"hour": 8, "minute": 52}
